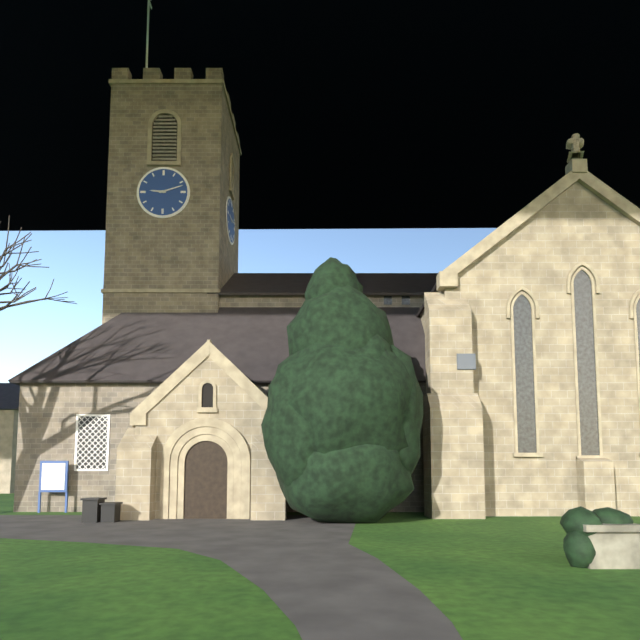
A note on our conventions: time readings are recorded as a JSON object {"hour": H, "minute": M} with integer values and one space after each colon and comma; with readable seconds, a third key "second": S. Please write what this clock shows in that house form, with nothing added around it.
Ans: {"hour": 9, "minute": 12}
